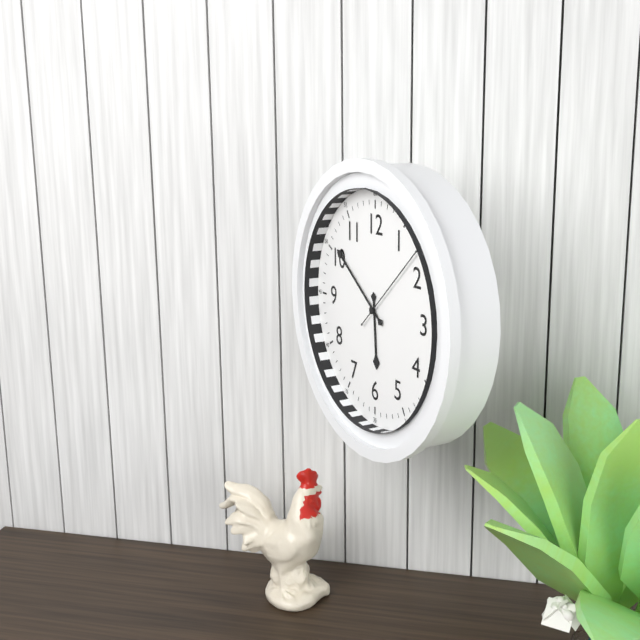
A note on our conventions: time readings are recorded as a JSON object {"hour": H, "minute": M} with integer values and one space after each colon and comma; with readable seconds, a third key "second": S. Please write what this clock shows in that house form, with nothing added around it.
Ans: {"hour": 5, "minute": 51, "second": 8}
